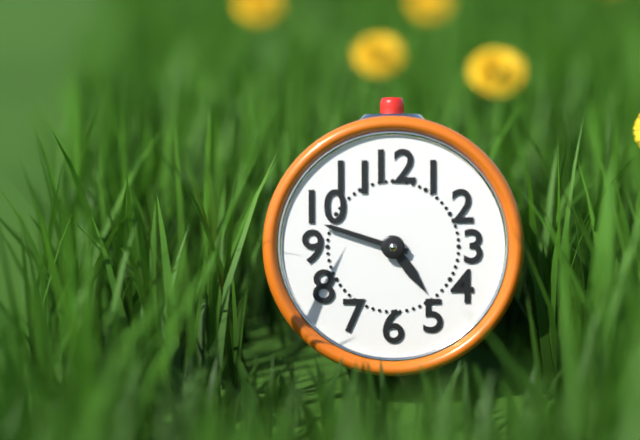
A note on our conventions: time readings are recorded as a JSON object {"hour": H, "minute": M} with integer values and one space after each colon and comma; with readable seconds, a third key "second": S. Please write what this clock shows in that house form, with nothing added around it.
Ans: {"hour": 4, "minute": 48}
